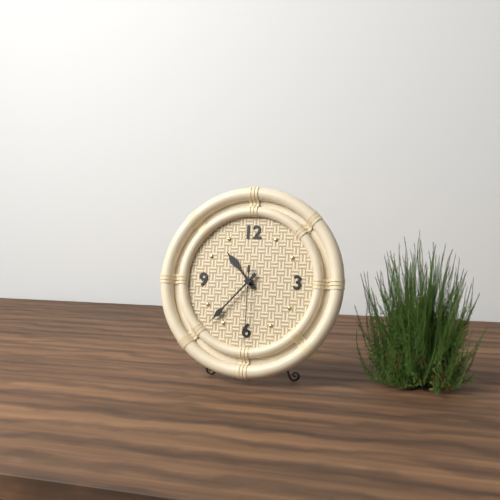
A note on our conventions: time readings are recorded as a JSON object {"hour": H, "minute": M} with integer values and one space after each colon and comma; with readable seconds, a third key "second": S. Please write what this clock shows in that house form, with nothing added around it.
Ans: {"hour": 10, "minute": 37, "second": 30}
